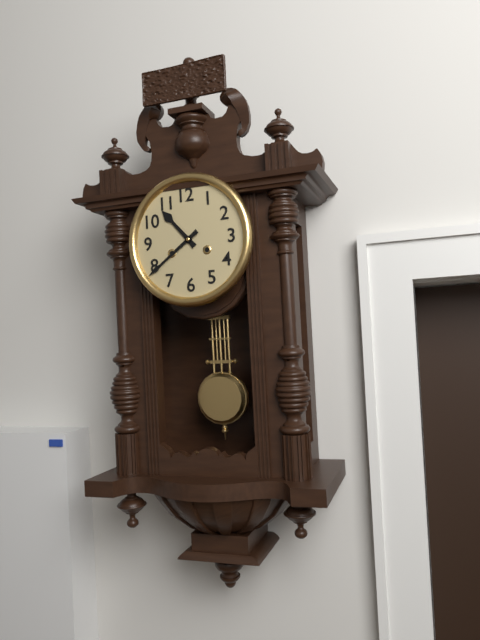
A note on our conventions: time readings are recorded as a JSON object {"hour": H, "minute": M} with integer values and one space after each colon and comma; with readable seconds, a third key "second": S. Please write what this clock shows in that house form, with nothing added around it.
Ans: {"hour": 10, "minute": 39}
